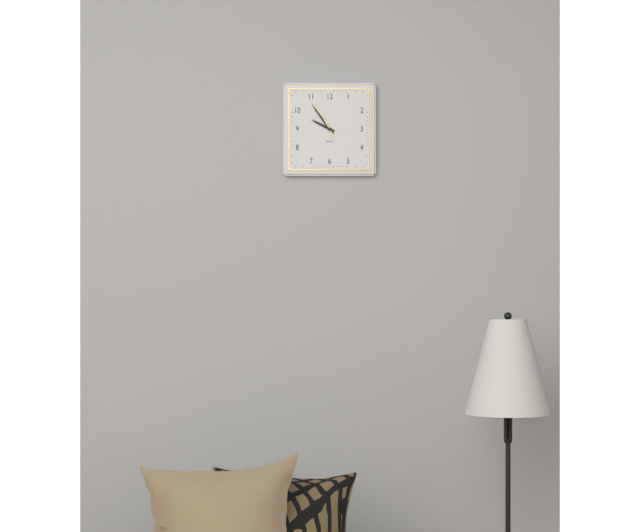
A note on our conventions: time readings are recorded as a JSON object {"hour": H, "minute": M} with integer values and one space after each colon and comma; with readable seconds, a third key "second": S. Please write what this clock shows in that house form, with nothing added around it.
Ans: {"hour": 9, "minute": 54}
